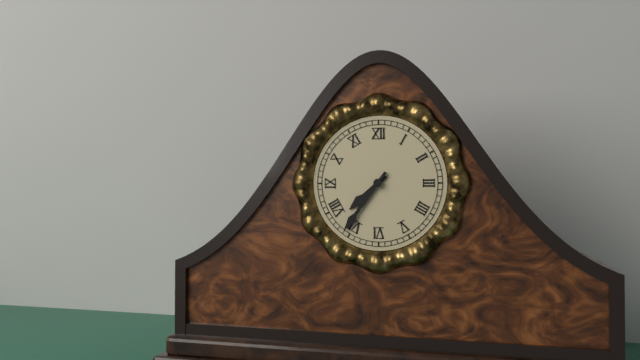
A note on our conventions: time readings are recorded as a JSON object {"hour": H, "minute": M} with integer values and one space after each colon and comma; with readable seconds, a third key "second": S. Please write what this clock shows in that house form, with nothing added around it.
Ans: {"hour": 7, "minute": 36}
